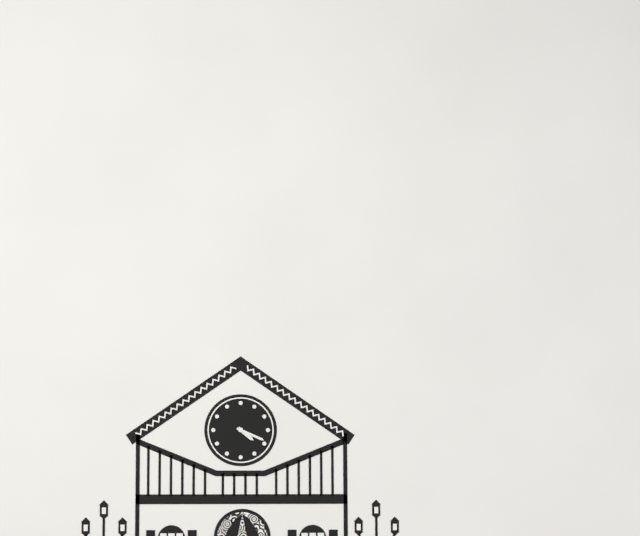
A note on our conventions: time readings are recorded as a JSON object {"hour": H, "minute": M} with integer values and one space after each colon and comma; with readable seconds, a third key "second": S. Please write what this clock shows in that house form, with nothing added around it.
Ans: {"hour": 4, "minute": 19}
